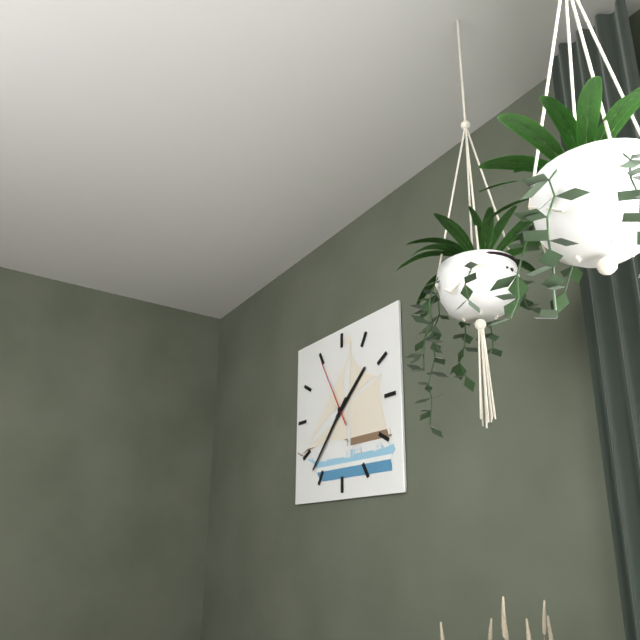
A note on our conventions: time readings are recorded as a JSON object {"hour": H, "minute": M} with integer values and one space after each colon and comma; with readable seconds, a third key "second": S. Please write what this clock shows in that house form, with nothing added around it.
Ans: {"hour": 1, "minute": 37, "second": 55}
